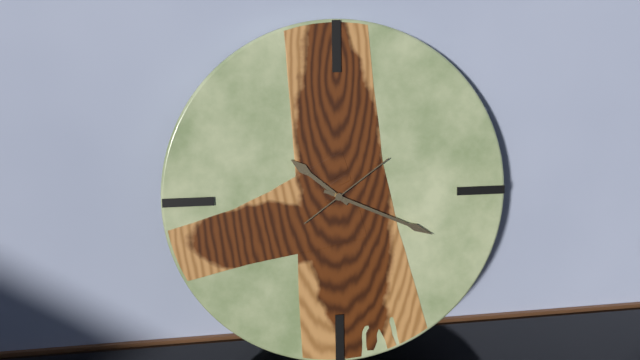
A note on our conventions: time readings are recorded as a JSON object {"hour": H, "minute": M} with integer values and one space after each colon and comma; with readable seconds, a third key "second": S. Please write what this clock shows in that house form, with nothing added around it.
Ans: {"hour": 10, "minute": 19, "second": 9}
